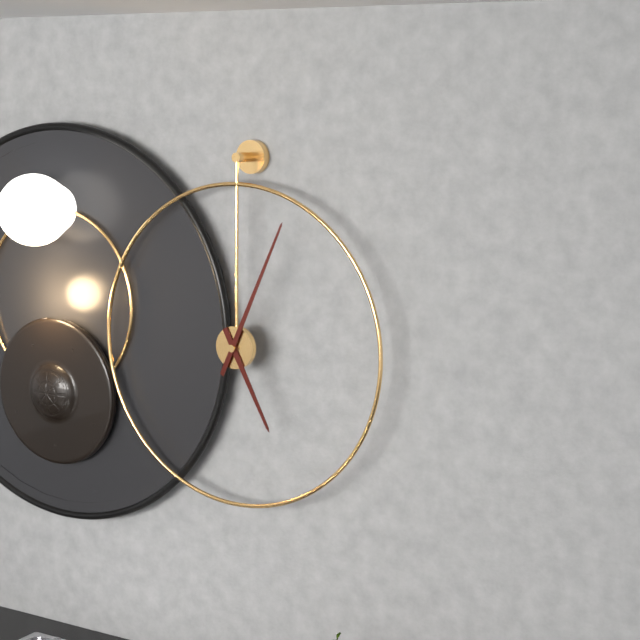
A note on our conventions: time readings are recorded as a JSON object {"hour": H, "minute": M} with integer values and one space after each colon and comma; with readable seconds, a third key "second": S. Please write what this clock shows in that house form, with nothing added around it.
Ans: {"hour": 5, "minute": 4}
